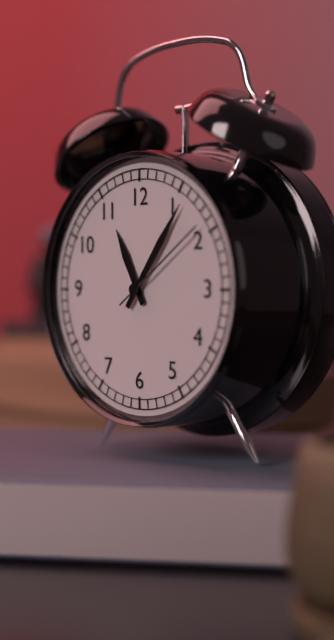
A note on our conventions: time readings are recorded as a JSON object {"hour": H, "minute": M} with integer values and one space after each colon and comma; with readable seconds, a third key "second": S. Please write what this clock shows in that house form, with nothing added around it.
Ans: {"hour": 11, "minute": 6, "second": 9}
